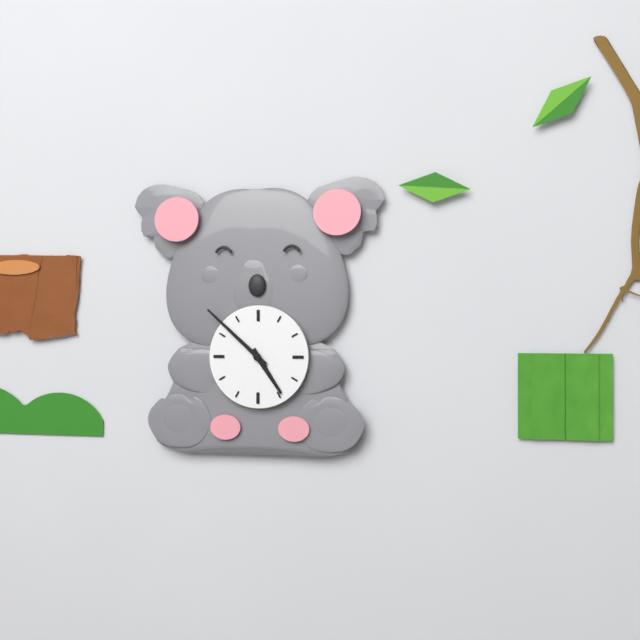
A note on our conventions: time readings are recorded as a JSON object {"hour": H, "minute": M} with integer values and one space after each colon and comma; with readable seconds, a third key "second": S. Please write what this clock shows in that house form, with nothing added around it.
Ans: {"hour": 4, "minute": 52}
